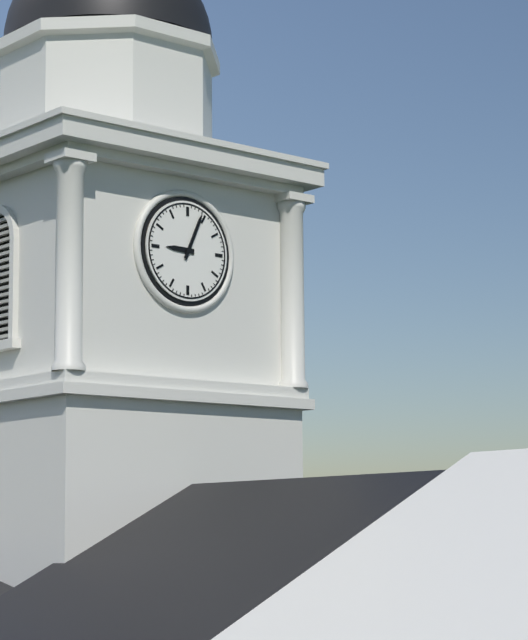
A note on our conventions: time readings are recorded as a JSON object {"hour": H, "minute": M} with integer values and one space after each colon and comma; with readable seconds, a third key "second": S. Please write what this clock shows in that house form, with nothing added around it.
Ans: {"hour": 9, "minute": 4}
